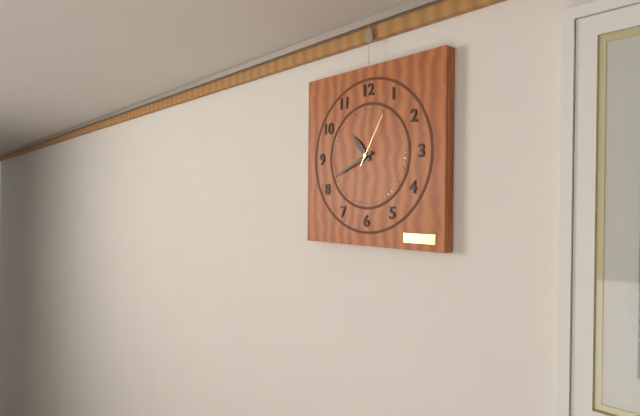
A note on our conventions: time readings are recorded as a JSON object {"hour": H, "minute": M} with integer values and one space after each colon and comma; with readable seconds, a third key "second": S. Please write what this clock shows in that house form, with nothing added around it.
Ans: {"hour": 10, "minute": 41, "second": 5}
